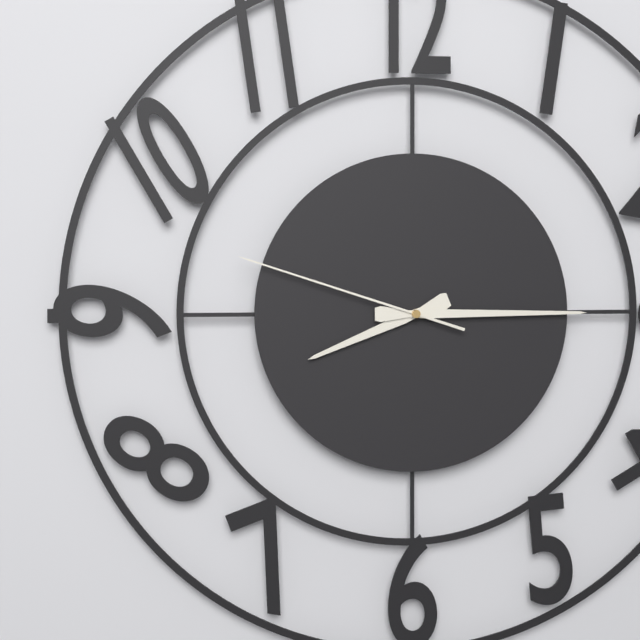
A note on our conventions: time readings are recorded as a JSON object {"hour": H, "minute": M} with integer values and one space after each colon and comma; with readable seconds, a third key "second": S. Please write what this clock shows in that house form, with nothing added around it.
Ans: {"hour": 8, "minute": 15, "second": 48}
